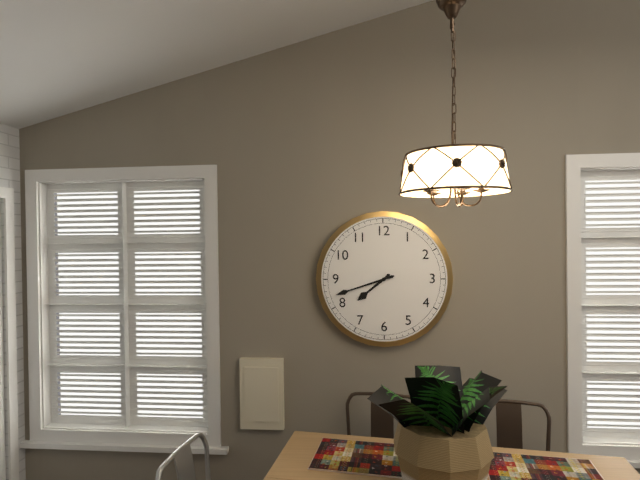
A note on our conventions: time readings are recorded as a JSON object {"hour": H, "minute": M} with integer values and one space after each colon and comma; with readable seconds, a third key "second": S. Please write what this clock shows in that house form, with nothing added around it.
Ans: {"hour": 7, "minute": 42}
